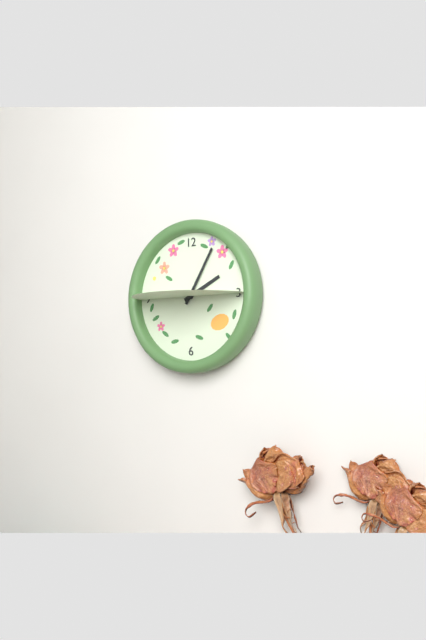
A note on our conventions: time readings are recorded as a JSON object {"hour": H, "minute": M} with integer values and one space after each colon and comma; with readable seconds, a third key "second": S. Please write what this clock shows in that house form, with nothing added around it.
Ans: {"hour": 2, "minute": 5}
